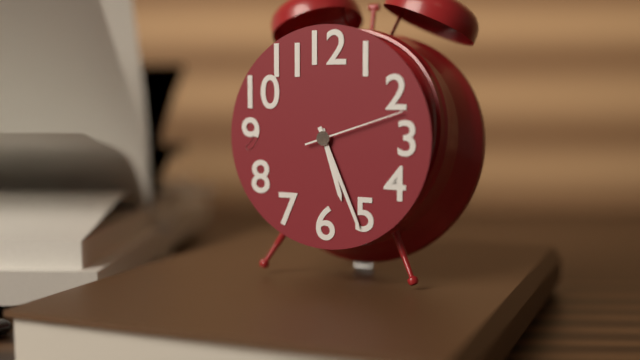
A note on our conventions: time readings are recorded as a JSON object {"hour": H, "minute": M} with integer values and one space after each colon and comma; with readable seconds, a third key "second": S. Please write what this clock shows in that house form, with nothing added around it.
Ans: {"hour": 5, "minute": 26, "second": 12}
